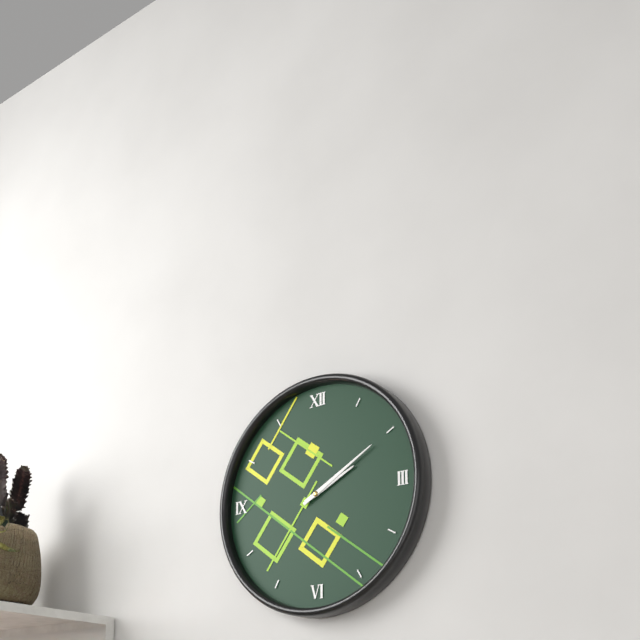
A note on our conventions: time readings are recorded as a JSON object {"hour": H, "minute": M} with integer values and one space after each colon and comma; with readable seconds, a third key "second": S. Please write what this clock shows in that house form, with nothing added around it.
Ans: {"hour": 2, "minute": 10}
